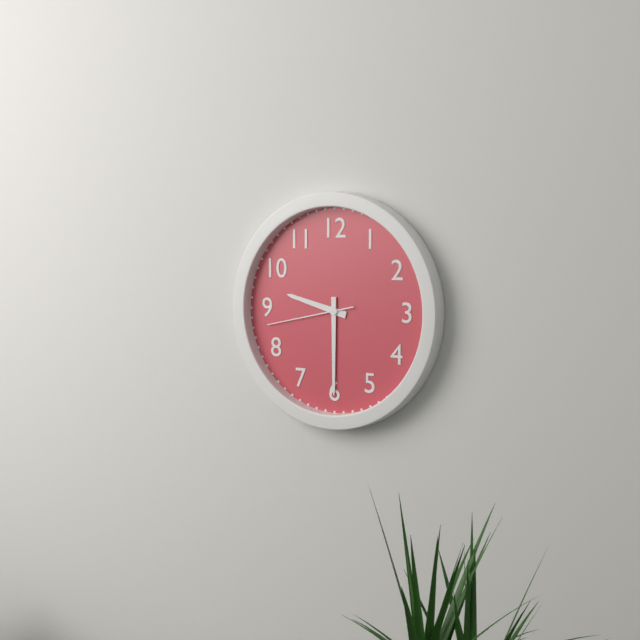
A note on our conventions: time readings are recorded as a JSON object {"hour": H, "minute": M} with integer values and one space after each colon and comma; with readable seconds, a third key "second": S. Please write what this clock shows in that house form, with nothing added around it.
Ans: {"hour": 9, "minute": 30, "second": 43}
